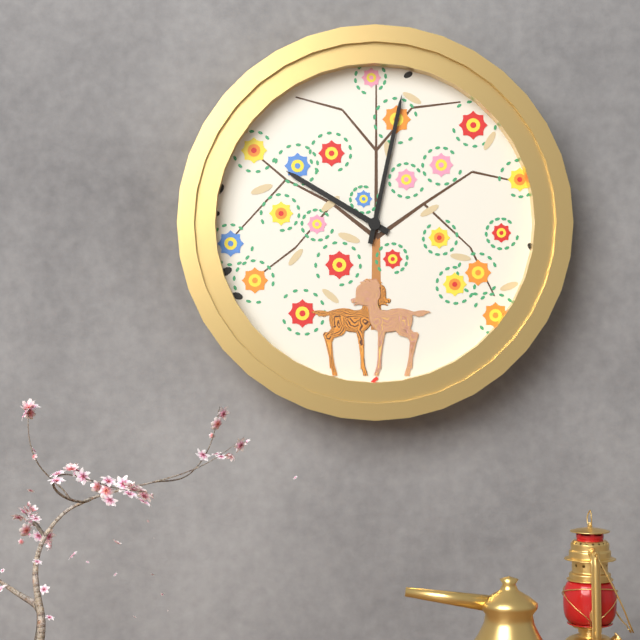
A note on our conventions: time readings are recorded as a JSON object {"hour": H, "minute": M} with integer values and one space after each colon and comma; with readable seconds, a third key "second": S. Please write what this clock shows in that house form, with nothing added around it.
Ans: {"hour": 10, "minute": 2}
